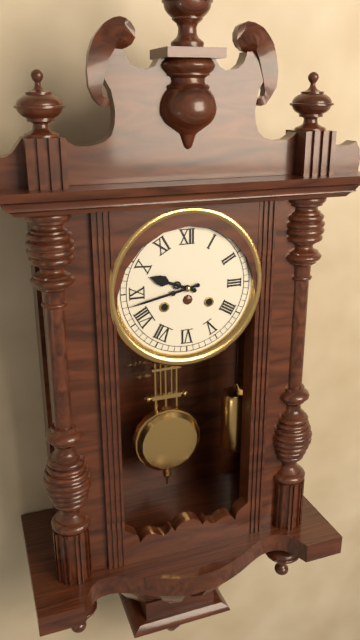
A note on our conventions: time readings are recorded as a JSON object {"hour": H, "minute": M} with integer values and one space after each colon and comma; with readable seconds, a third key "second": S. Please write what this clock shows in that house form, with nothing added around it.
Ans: {"hour": 9, "minute": 43}
